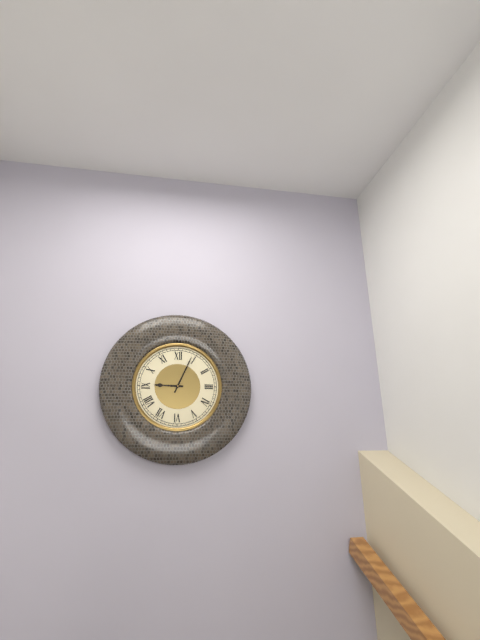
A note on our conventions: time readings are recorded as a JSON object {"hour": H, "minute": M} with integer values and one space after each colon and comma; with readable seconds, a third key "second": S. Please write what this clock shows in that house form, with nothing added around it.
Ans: {"hour": 9, "minute": 4}
